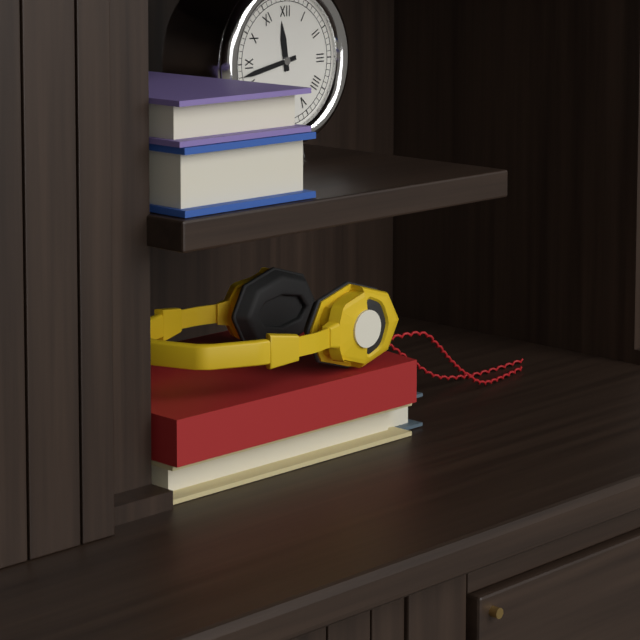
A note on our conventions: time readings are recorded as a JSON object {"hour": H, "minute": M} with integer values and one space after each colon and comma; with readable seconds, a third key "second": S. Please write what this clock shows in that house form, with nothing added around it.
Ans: {"hour": 11, "minute": 43}
